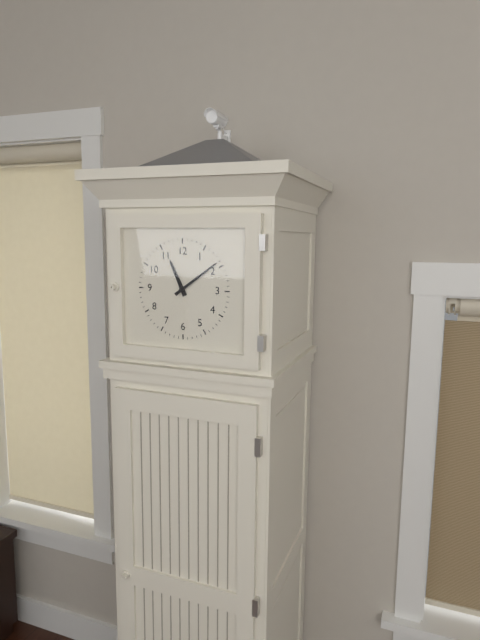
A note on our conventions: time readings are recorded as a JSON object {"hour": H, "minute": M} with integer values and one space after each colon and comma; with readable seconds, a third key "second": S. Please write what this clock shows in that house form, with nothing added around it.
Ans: {"hour": 11, "minute": 9}
